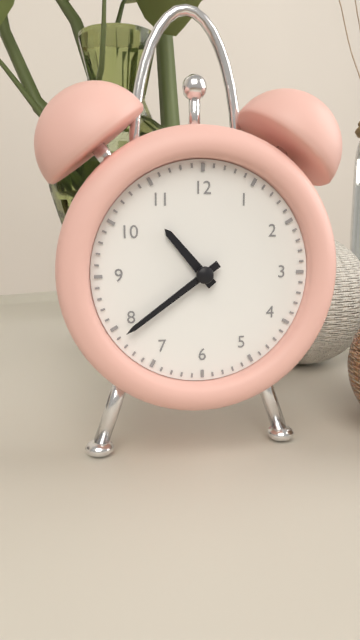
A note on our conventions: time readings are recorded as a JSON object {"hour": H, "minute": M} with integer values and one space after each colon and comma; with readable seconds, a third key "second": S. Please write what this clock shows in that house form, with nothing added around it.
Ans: {"hour": 10, "minute": 39}
